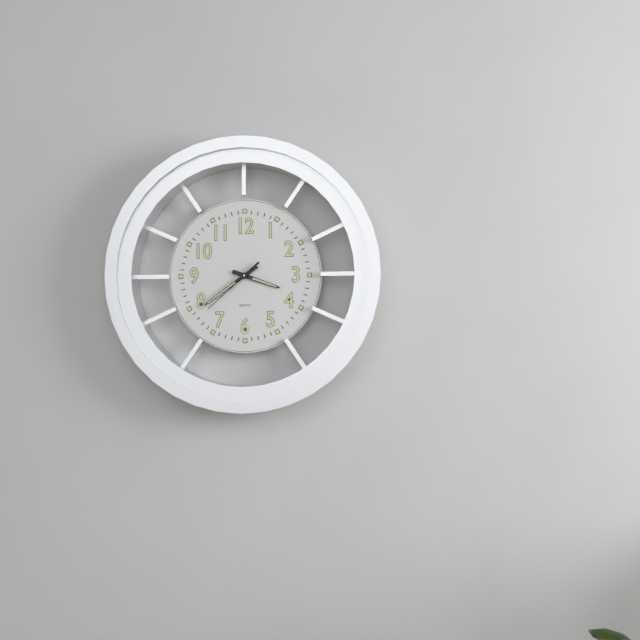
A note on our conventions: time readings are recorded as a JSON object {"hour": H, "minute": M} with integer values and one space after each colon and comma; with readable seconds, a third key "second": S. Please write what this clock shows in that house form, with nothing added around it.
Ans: {"hour": 3, "minute": 39, "second": 38}
